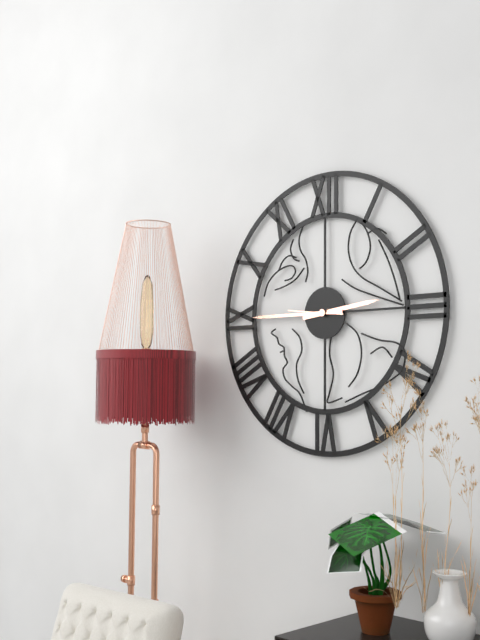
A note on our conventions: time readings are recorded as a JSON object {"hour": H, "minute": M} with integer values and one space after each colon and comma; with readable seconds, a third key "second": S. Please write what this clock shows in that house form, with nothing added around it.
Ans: {"hour": 2, "minute": 45}
